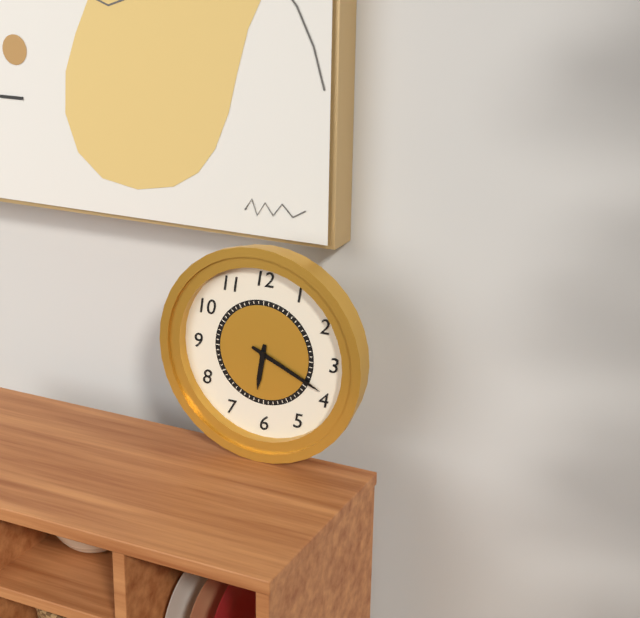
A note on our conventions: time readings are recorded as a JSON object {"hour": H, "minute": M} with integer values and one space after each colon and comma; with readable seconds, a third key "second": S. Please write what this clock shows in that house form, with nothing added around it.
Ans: {"hour": 6, "minute": 19}
